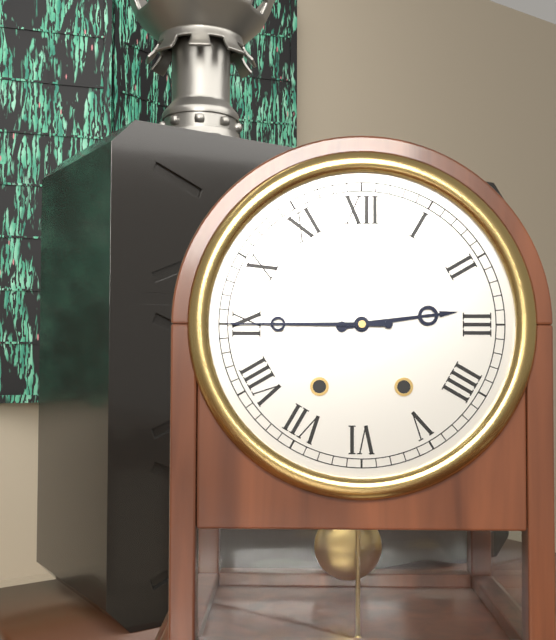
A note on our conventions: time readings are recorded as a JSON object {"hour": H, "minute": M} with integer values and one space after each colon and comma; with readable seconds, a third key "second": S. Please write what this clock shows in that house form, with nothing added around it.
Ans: {"hour": 2, "minute": 45}
